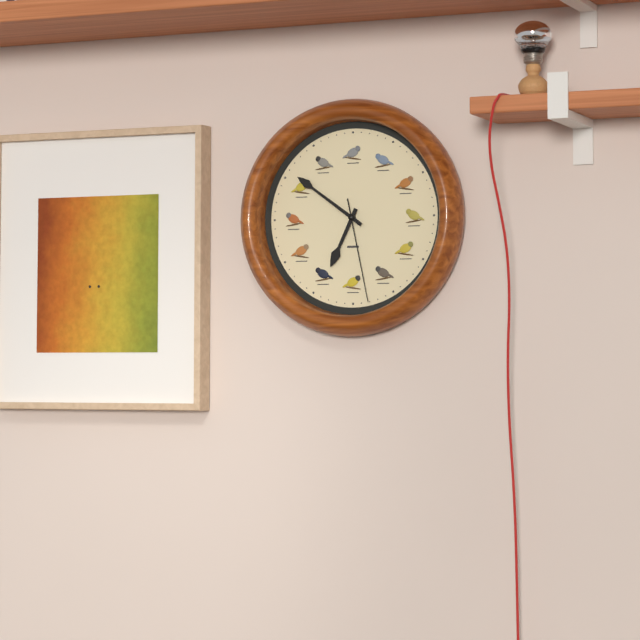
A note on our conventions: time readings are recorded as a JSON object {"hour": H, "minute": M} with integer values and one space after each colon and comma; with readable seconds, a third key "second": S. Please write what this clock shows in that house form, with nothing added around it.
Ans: {"hour": 6, "minute": 51, "second": 28}
